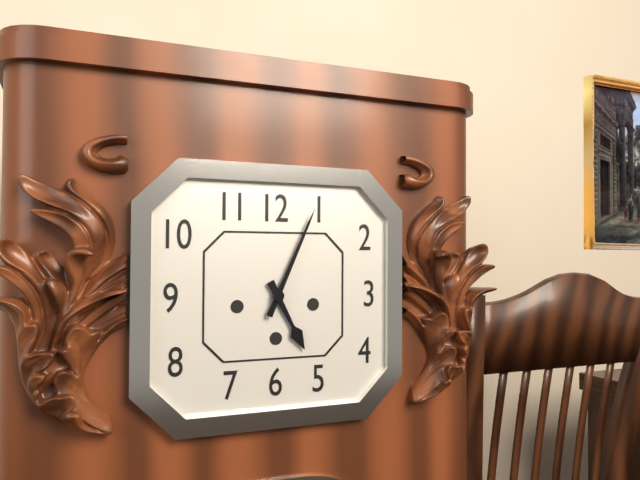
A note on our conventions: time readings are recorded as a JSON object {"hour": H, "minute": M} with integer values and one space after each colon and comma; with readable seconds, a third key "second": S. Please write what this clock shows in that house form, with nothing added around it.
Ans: {"hour": 5, "minute": 4}
